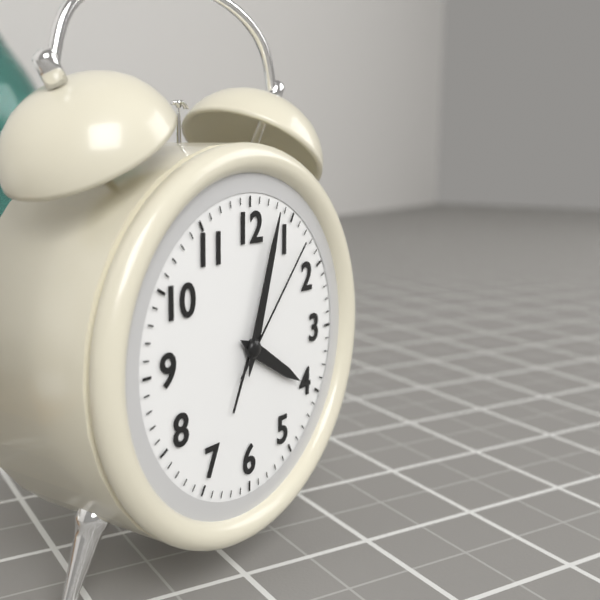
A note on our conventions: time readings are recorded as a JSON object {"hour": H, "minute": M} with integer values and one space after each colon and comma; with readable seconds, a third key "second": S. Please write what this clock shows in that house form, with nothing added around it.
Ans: {"hour": 4, "minute": 3, "second": 7}
